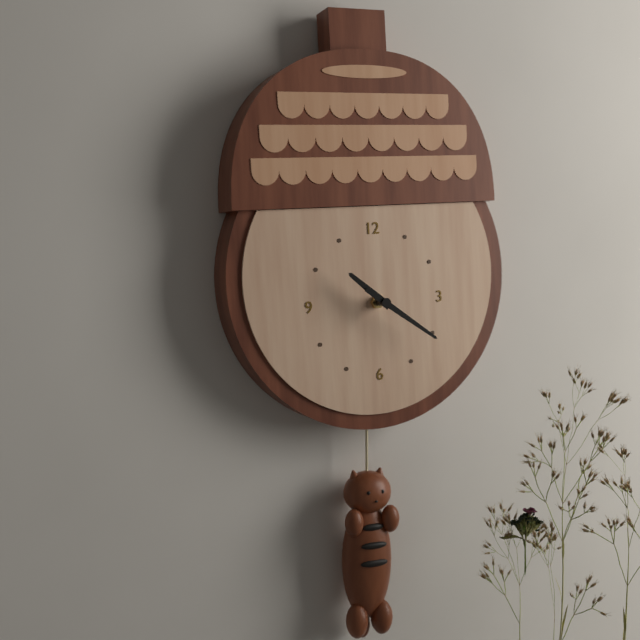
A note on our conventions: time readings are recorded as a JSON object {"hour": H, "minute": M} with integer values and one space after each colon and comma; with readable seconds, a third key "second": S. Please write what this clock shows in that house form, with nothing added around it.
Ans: {"hour": 10, "minute": 21}
